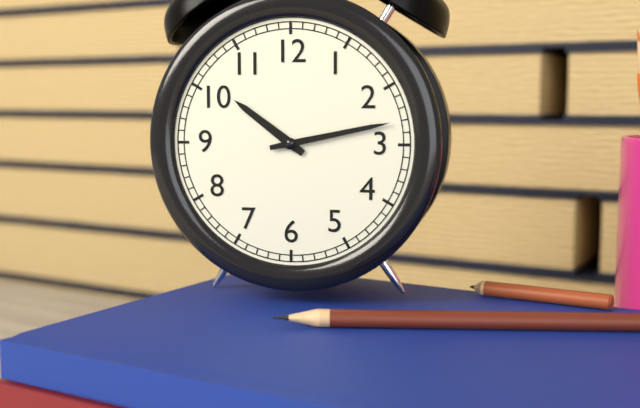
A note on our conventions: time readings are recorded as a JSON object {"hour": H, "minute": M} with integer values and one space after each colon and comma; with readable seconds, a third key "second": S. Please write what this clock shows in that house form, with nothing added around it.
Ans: {"hour": 10, "minute": 13}
